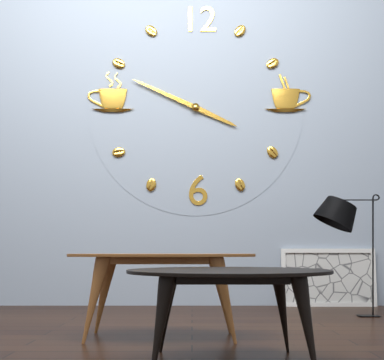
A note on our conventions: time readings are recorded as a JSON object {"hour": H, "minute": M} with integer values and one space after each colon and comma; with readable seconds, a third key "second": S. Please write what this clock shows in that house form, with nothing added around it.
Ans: {"hour": 3, "minute": 49}
